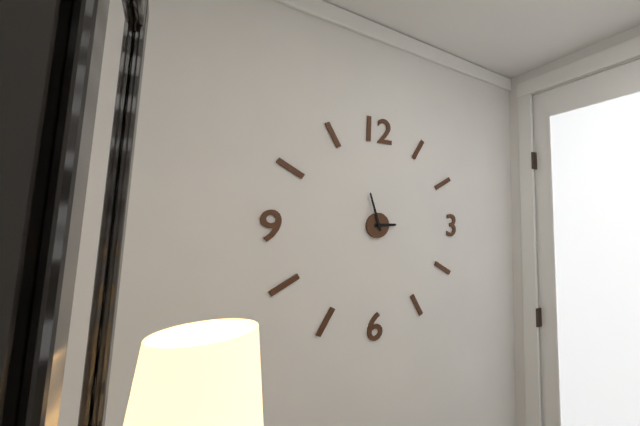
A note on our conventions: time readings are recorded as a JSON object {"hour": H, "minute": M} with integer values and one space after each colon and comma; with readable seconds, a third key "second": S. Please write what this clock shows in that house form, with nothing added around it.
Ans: {"hour": 2, "minute": 57}
